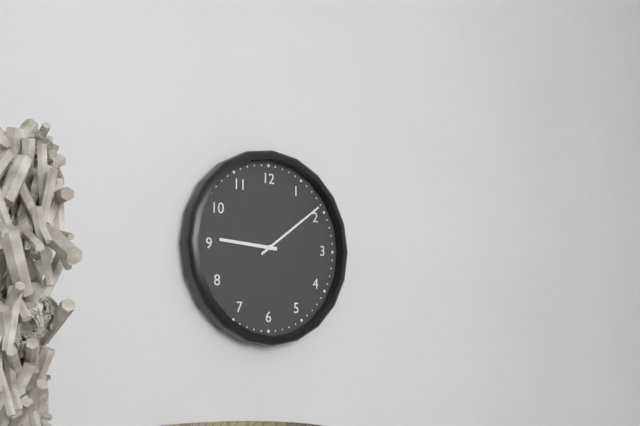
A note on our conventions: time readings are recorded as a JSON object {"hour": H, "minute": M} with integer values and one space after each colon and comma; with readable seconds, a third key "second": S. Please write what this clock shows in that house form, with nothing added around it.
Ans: {"hour": 9, "minute": 9}
